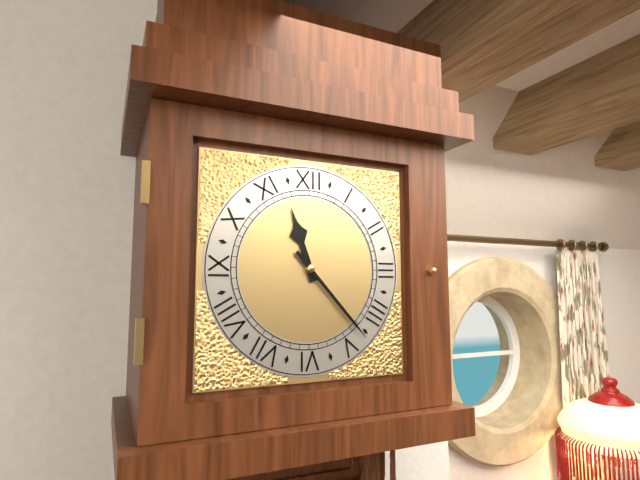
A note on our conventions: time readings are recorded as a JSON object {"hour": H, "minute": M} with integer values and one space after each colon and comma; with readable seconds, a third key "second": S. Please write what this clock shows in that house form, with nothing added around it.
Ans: {"hour": 11, "minute": 23}
